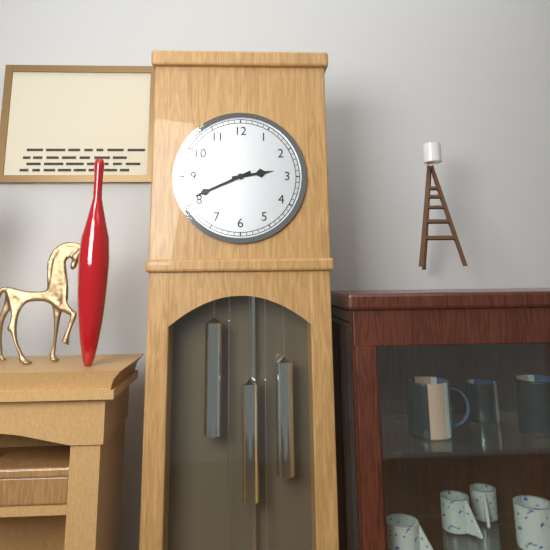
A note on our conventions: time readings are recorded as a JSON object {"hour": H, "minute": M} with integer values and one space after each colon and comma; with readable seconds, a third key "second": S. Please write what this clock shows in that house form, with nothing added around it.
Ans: {"hour": 2, "minute": 41}
